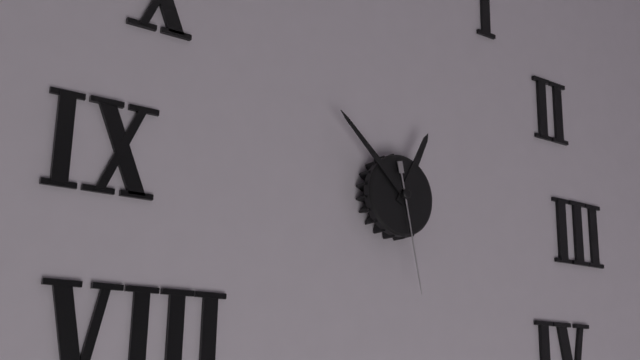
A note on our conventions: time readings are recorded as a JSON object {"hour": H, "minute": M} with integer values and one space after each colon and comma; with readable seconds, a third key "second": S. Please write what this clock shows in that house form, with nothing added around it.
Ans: {"hour": 12, "minute": 52, "second": 28}
